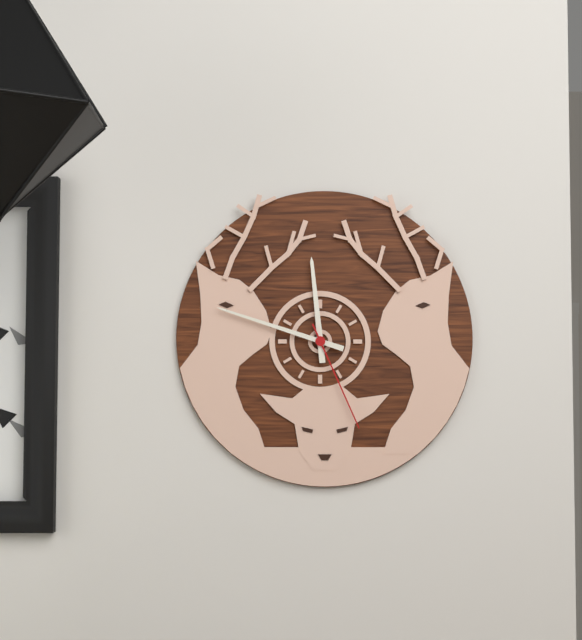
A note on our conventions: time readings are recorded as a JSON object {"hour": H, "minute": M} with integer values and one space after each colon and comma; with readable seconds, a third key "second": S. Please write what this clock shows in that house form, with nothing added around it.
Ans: {"hour": 11, "minute": 48, "second": 26}
